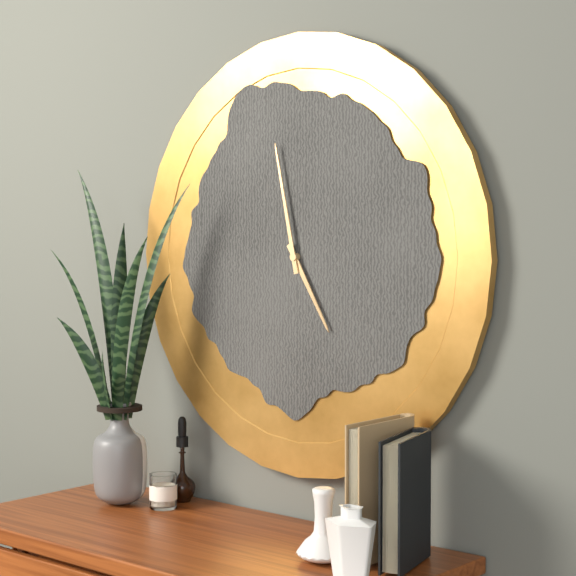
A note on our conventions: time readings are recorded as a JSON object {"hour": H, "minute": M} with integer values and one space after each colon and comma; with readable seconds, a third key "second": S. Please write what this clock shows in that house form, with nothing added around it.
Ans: {"hour": 4, "minute": 58}
